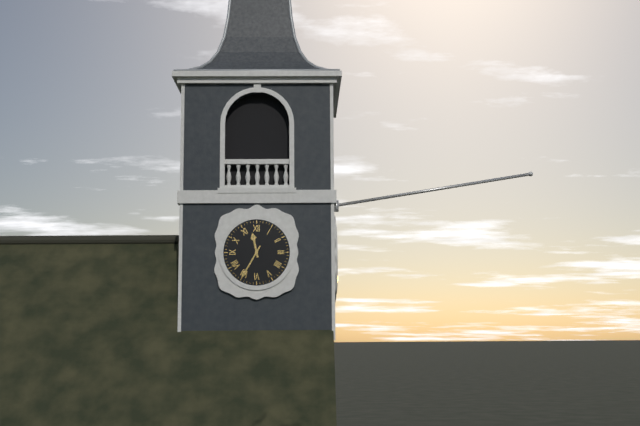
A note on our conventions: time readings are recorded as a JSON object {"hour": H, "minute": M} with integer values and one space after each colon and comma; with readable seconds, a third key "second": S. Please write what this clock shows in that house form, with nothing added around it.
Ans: {"hour": 11, "minute": 35}
